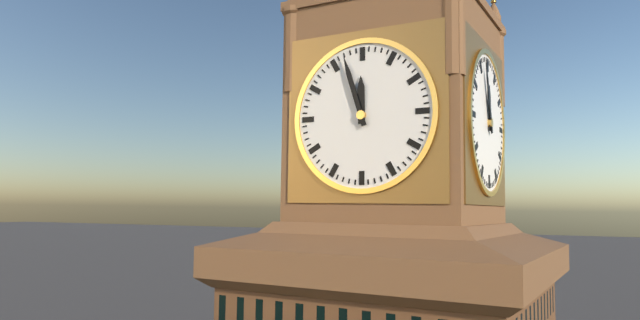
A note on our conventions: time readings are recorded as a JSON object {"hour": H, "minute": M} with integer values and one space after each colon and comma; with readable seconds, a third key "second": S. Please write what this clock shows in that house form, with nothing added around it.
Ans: {"hour": 11, "minute": 57}
